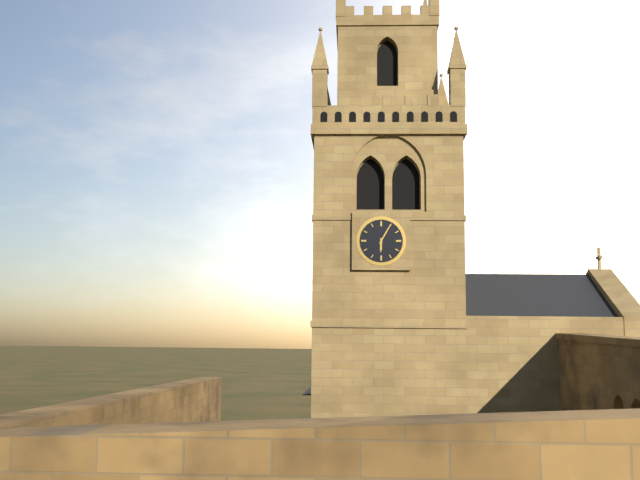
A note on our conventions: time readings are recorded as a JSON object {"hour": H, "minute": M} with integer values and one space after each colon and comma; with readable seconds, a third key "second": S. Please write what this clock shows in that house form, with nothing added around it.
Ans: {"hour": 6, "minute": 5}
